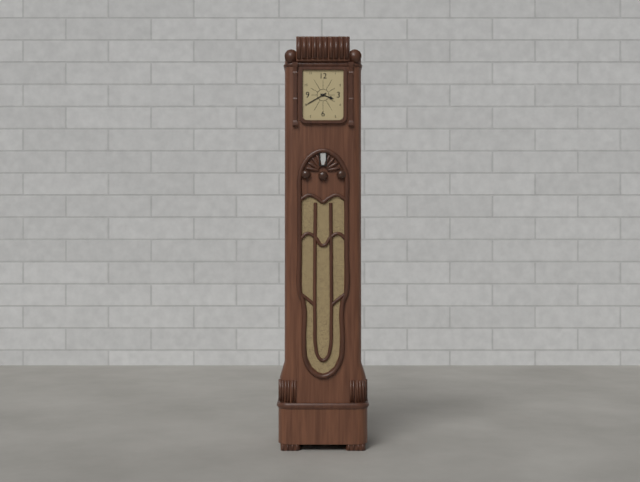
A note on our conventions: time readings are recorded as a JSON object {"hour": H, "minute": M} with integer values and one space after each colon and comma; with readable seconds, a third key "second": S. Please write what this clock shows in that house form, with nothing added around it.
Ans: {"hour": 3, "minute": 40}
